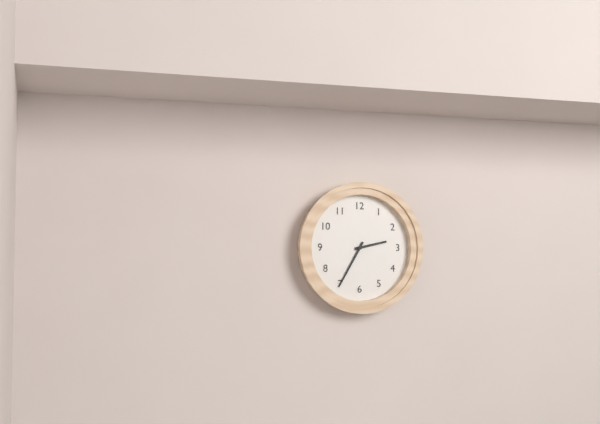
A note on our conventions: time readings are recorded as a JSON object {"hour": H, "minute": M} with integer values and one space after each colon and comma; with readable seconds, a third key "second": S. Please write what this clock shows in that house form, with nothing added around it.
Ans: {"hour": 2, "minute": 35}
